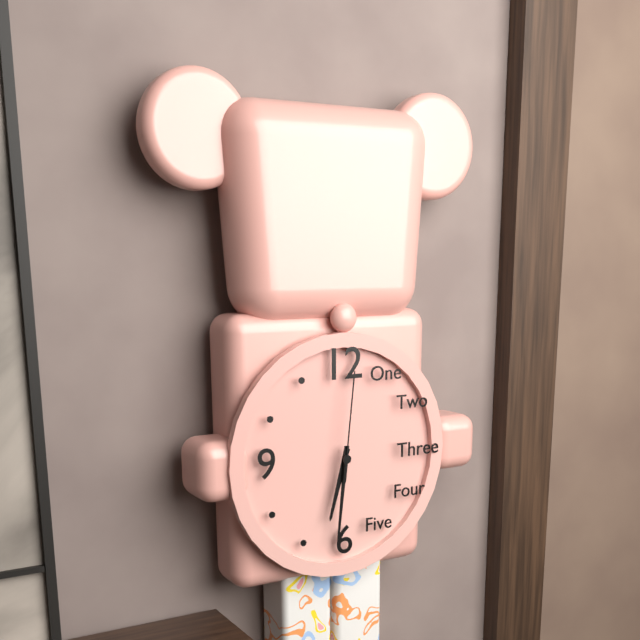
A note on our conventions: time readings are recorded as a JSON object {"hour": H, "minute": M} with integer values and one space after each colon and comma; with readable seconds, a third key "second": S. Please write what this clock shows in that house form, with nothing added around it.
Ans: {"hour": 6, "minute": 31, "second": 1}
